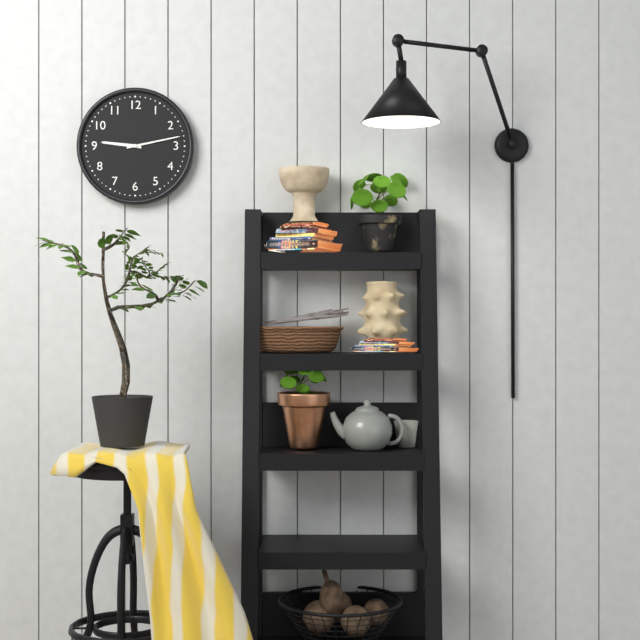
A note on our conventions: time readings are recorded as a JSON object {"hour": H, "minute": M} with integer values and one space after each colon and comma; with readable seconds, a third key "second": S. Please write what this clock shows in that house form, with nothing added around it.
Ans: {"hour": 9, "minute": 13}
